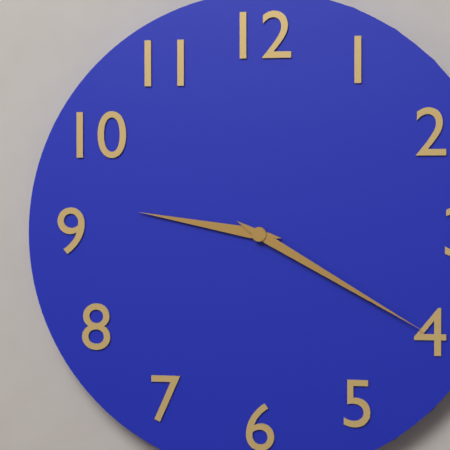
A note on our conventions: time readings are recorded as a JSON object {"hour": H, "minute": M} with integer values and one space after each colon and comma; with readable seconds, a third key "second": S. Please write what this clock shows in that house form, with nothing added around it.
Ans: {"hour": 9, "minute": 20}
